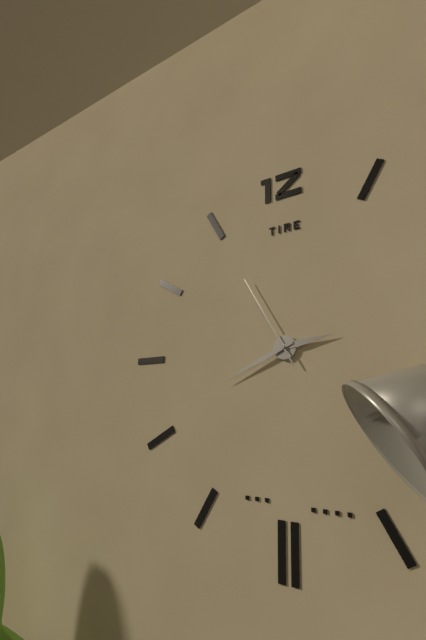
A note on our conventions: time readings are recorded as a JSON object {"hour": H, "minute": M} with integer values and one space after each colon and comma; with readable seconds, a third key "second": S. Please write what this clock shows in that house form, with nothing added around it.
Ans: {"hour": 2, "minute": 41, "second": 55}
